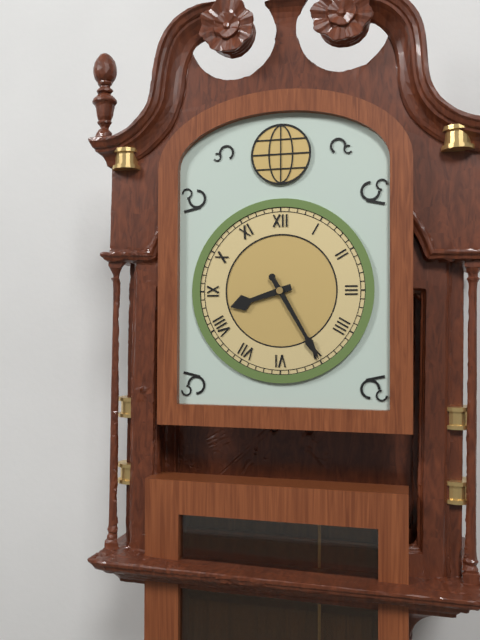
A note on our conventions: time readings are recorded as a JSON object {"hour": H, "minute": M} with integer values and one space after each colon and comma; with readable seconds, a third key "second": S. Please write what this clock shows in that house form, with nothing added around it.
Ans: {"hour": 8, "minute": 25}
